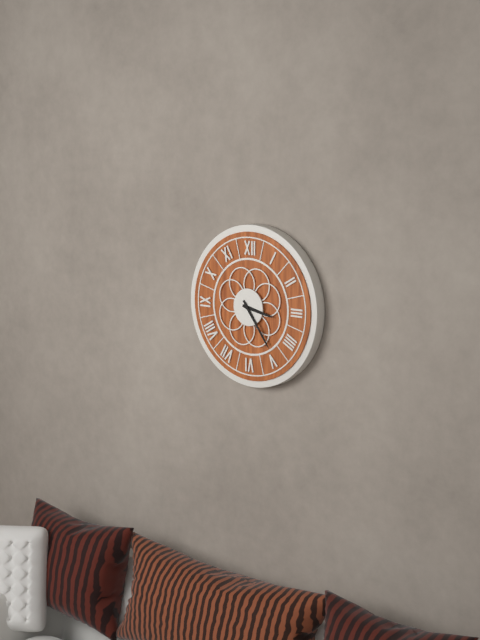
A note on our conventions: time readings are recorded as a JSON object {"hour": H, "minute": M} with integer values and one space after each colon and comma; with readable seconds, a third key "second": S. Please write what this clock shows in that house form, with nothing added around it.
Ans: {"hour": 3, "minute": 24}
